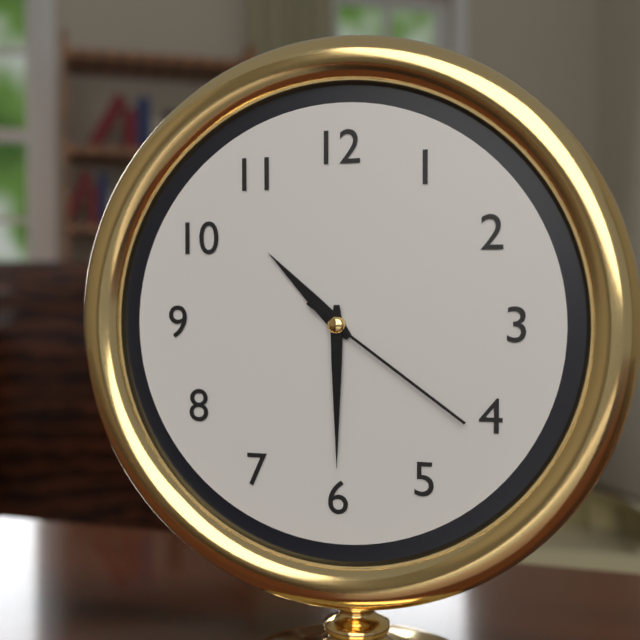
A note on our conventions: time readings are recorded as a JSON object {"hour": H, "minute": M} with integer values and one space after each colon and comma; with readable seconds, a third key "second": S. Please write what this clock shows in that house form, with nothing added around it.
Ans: {"hour": 10, "minute": 30, "second": 21}
